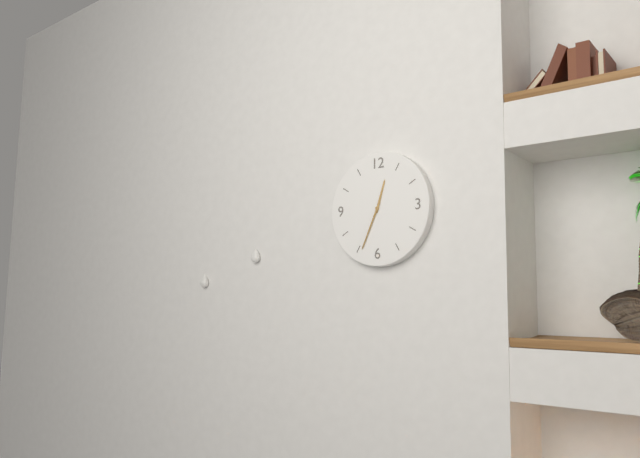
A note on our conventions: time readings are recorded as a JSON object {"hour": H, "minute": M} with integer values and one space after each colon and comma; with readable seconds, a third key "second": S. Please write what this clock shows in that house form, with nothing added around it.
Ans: {"hour": 12, "minute": 34}
